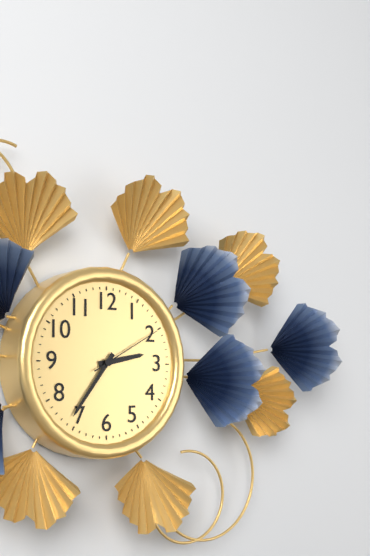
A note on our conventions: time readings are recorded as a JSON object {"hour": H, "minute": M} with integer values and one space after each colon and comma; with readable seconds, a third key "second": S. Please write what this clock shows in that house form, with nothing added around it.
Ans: {"hour": 2, "minute": 36, "second": 10}
